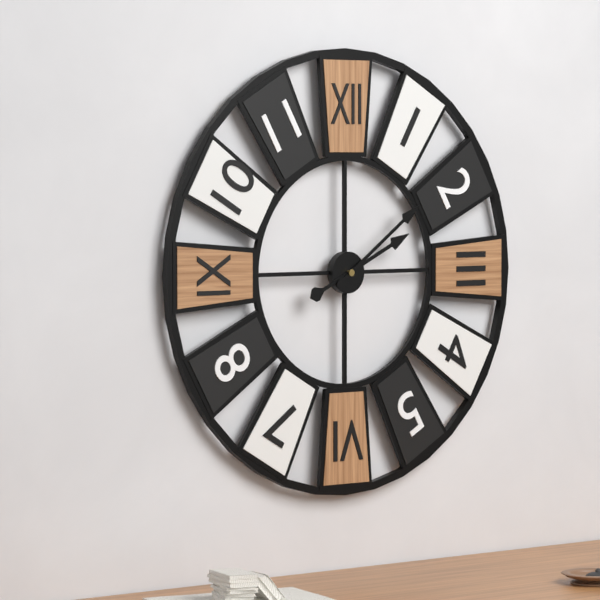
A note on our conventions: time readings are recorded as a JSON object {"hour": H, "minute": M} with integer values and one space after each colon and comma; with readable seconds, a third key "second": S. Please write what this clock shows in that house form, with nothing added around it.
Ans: {"hour": 2, "minute": 9}
